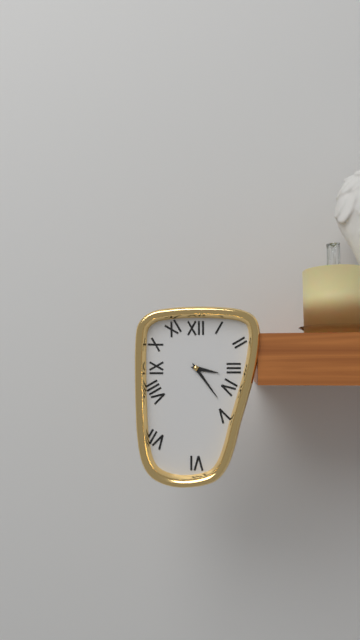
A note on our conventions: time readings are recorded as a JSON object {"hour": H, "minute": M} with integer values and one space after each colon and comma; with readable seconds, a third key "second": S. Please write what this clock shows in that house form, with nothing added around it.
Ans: {"hour": 3, "minute": 24}
